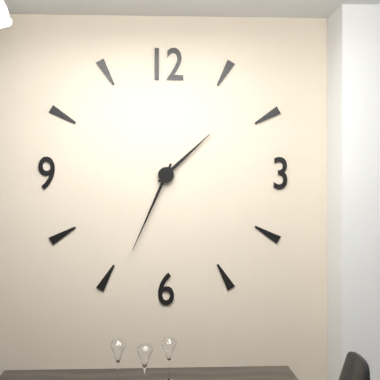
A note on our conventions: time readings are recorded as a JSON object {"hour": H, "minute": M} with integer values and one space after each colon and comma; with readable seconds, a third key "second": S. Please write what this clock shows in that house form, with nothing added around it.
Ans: {"hour": 1, "minute": 34}
